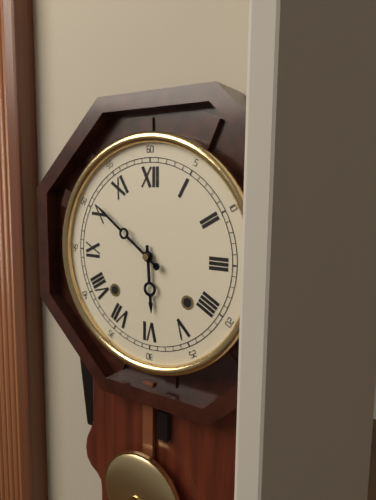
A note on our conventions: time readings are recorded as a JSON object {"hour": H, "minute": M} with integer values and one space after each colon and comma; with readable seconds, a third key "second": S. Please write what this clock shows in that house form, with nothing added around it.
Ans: {"hour": 5, "minute": 51}
